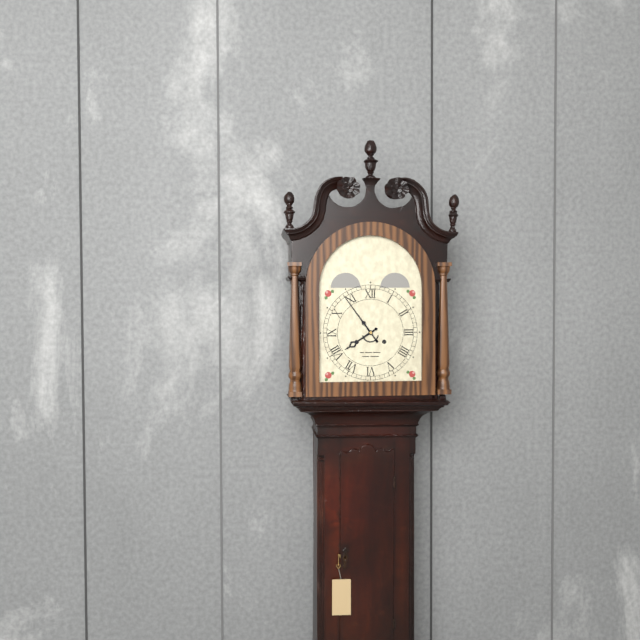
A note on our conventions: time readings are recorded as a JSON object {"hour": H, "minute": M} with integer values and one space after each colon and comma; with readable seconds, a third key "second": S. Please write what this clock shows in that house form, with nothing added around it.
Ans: {"hour": 7, "minute": 54}
